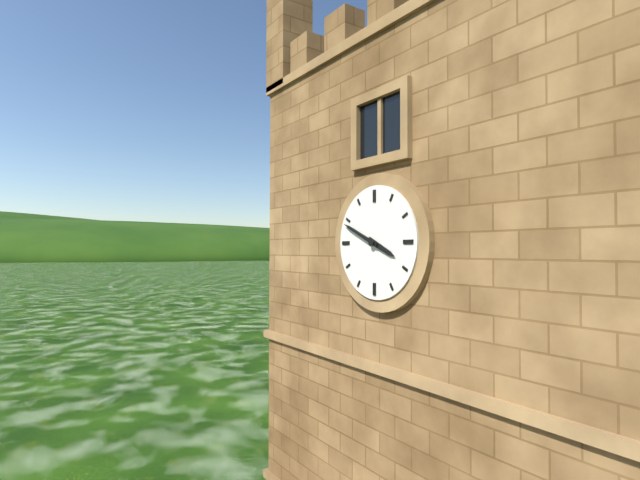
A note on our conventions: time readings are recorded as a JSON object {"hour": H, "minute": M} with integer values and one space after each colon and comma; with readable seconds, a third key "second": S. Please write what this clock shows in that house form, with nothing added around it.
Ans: {"hour": 3, "minute": 49}
